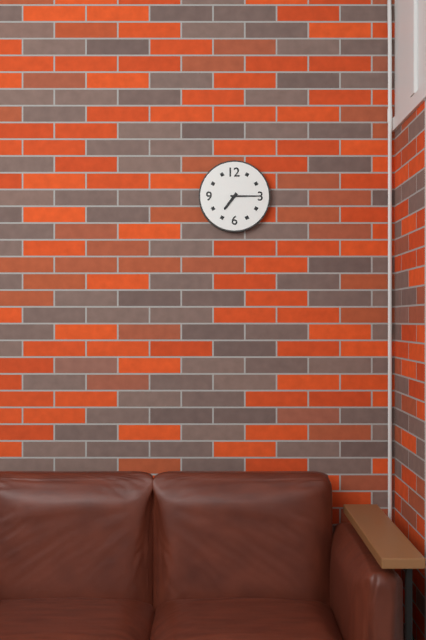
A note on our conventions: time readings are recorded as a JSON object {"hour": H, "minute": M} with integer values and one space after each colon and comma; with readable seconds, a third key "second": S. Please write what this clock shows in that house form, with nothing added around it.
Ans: {"hour": 7, "minute": 15}
